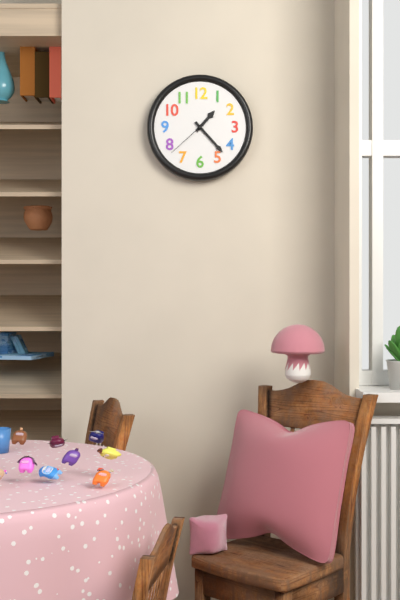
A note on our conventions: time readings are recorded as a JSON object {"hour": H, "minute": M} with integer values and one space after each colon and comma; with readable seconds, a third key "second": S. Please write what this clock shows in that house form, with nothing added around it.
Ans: {"hour": 1, "minute": 23}
